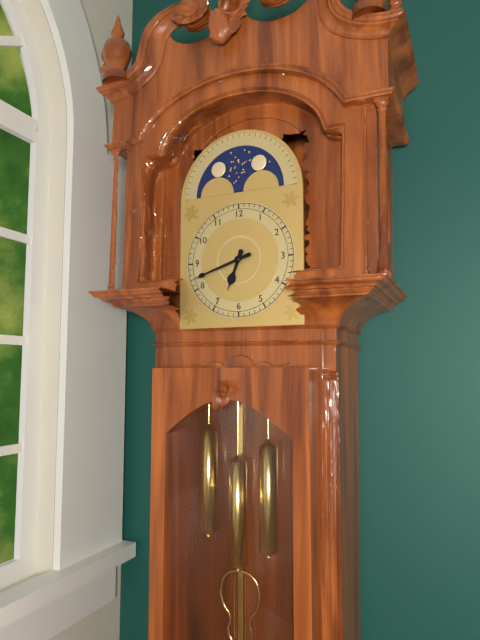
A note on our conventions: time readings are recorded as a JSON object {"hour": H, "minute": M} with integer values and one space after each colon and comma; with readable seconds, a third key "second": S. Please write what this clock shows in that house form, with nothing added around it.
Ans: {"hour": 6, "minute": 42}
